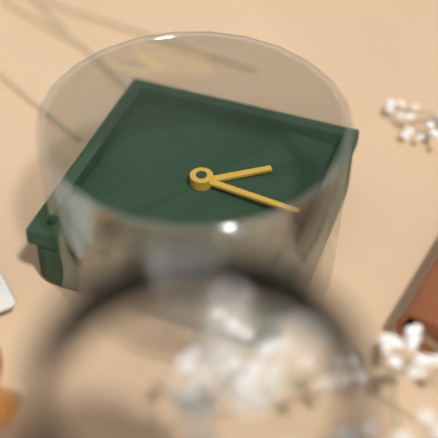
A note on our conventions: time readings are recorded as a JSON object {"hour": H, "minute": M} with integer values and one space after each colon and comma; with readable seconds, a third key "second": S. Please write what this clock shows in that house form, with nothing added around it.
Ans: {"hour": 7, "minute": 46}
